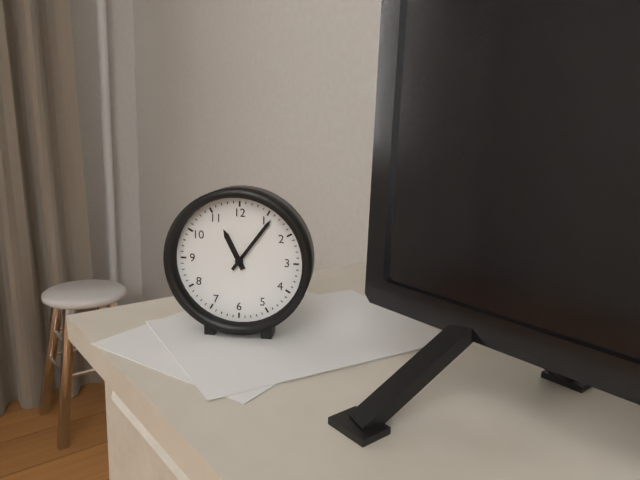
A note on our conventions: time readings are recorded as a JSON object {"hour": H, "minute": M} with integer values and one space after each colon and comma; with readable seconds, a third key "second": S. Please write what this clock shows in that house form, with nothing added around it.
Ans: {"hour": 11, "minute": 6}
